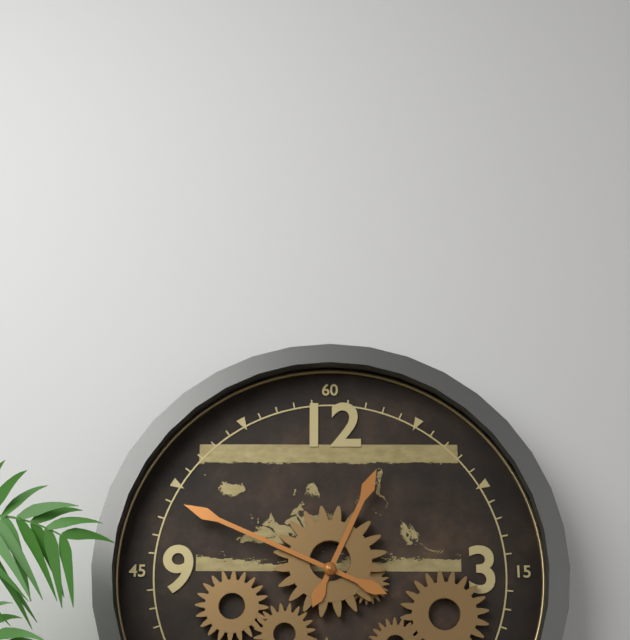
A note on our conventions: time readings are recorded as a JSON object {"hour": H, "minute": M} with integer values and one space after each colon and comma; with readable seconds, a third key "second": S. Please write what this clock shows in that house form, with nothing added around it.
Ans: {"hour": 12, "minute": 49}
